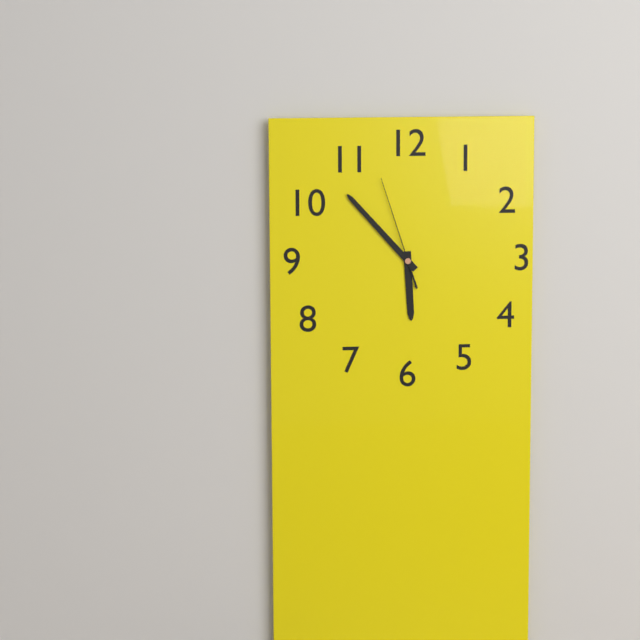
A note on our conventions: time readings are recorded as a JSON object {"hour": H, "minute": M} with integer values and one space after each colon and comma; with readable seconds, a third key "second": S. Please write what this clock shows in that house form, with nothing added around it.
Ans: {"hour": 5, "minute": 53, "second": 57}
